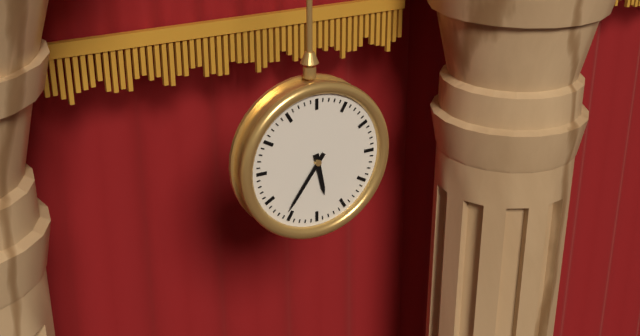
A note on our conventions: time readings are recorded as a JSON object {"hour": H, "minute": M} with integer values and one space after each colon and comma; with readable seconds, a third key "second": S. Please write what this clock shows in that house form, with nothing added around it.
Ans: {"hour": 5, "minute": 36}
